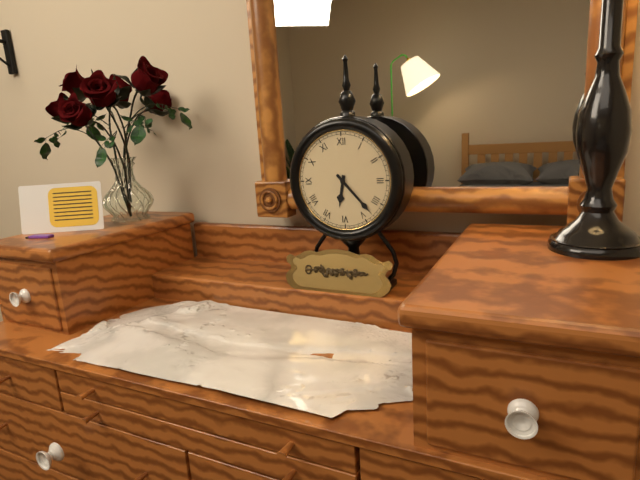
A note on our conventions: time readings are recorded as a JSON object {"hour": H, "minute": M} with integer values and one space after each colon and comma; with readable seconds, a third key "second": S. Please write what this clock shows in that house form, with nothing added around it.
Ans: {"hour": 6, "minute": 23}
